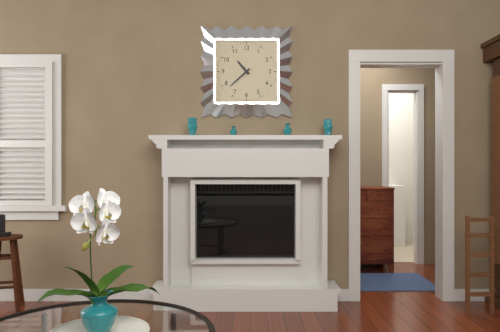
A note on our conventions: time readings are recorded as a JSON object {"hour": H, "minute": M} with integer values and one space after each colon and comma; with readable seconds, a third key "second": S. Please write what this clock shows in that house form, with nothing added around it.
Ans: {"hour": 10, "minute": 38}
